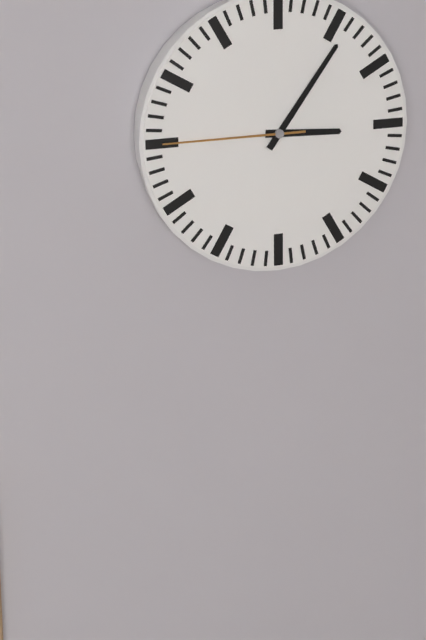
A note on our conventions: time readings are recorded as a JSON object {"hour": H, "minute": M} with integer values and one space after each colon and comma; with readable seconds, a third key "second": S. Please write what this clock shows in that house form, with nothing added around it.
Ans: {"hour": 3, "minute": 6, "second": 45}
